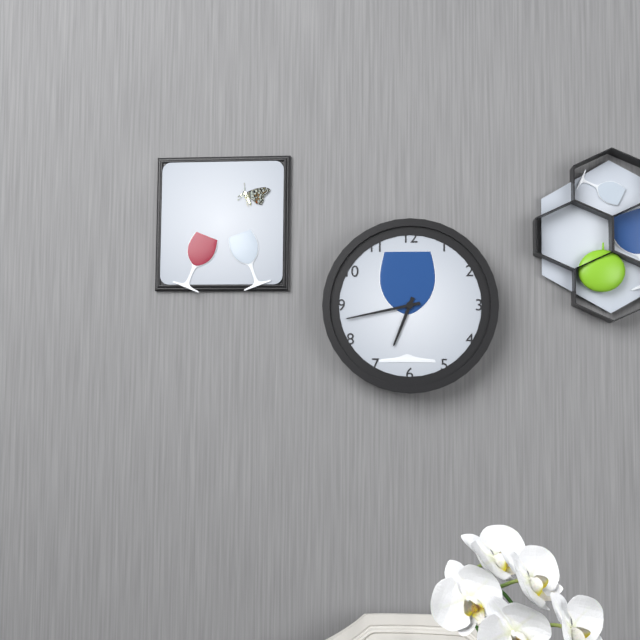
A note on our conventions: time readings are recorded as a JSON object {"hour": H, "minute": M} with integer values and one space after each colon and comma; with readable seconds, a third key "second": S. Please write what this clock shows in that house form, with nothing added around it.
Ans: {"hour": 6, "minute": 43}
